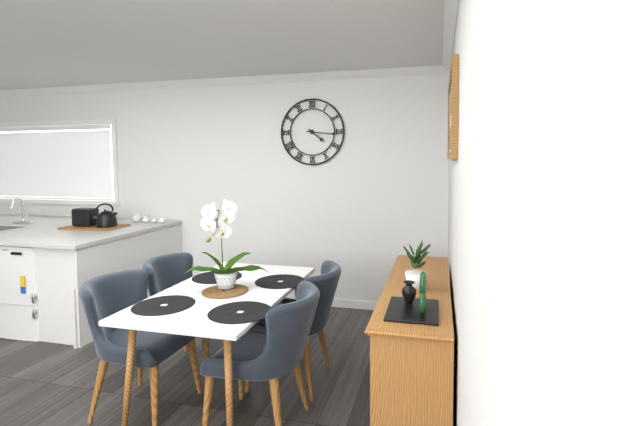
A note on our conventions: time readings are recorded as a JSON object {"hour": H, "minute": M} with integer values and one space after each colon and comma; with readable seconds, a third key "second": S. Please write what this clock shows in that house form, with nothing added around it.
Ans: {"hour": 4, "minute": 16}
